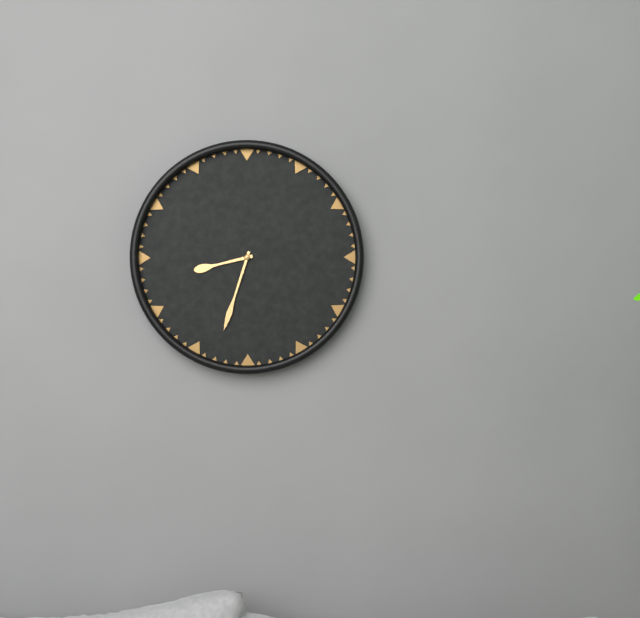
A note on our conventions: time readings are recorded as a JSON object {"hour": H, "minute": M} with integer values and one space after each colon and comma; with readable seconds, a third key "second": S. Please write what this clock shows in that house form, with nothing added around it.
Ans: {"hour": 8, "minute": 33}
